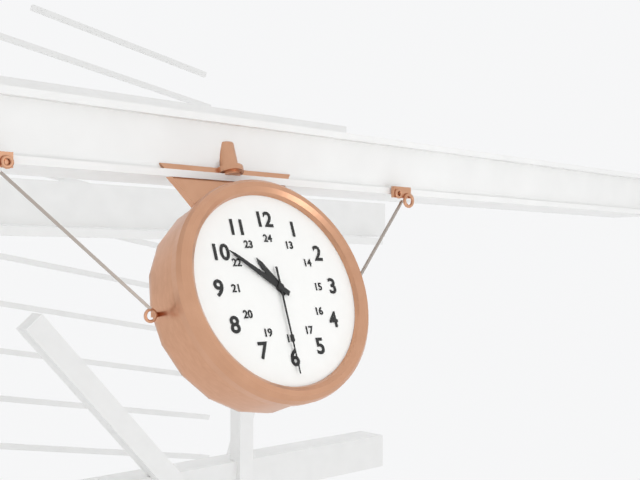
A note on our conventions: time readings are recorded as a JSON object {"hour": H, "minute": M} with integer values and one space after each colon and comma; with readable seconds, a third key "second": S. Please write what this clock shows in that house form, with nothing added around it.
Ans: {"hour": 10, "minute": 51, "second": 30}
